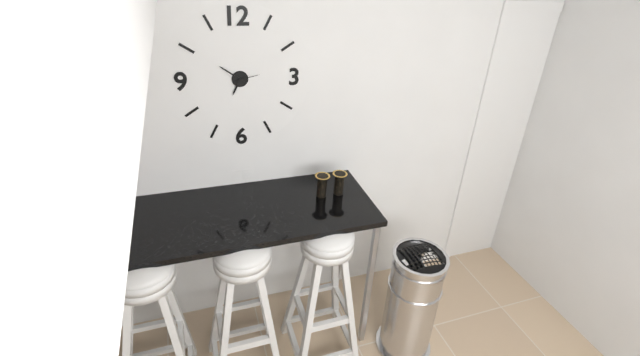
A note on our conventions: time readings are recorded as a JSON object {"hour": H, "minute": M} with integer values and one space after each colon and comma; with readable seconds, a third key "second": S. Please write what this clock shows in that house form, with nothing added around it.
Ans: {"hour": 6, "minute": 51}
